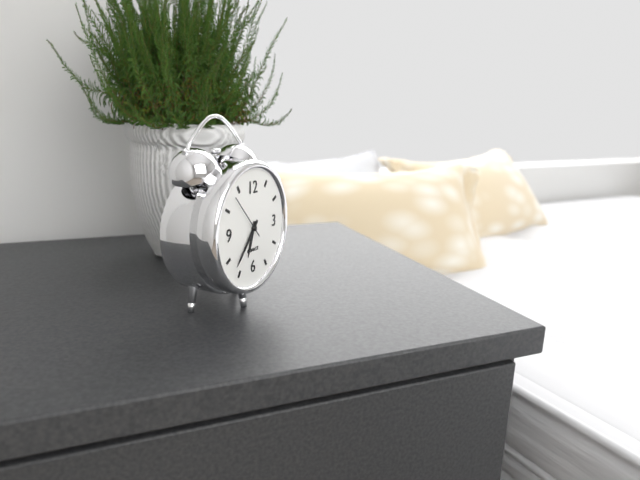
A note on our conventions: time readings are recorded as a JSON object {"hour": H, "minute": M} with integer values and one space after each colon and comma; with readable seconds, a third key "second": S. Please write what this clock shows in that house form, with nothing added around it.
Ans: {"hour": 6, "minute": 37}
